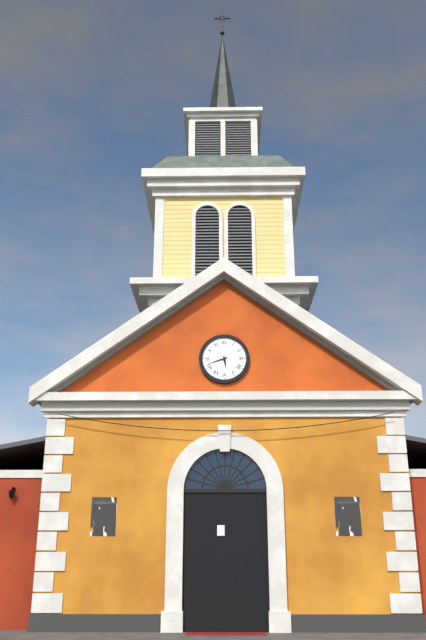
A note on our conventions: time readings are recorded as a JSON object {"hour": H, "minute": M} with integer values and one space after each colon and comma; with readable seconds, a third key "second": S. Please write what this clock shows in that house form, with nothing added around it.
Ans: {"hour": 5, "minute": 42}
